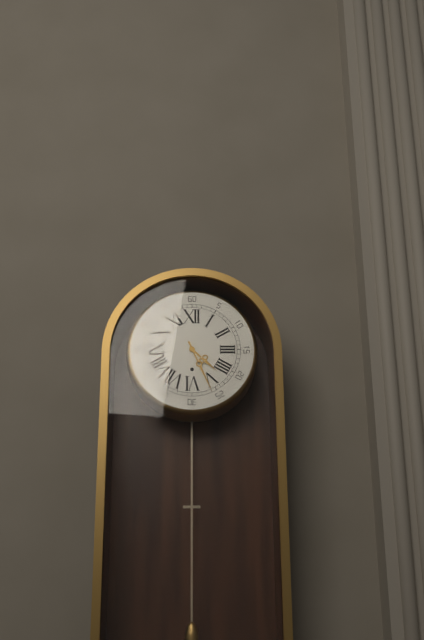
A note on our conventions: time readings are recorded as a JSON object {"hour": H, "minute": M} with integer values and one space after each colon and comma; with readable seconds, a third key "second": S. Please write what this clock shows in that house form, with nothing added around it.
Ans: {"hour": 4, "minute": 26}
